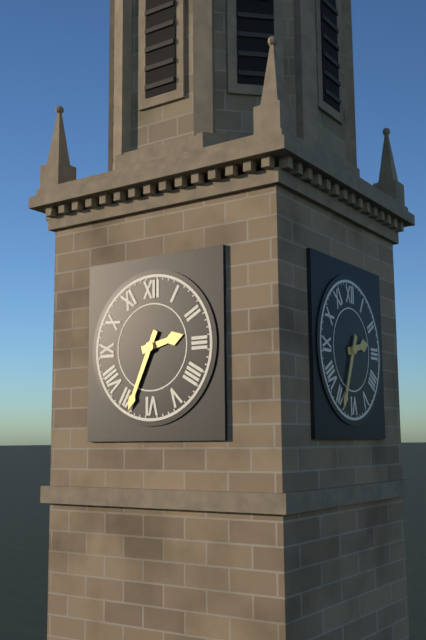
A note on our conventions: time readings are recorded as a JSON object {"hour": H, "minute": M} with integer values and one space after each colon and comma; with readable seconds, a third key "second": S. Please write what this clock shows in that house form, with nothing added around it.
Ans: {"hour": 2, "minute": 34}
